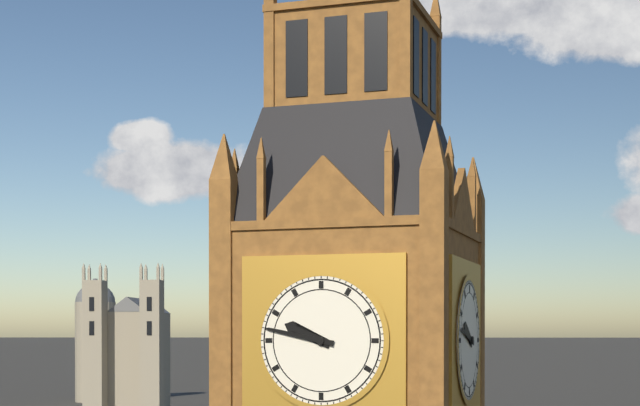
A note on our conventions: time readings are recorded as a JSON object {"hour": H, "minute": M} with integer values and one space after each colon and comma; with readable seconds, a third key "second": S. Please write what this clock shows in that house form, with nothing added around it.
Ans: {"hour": 9, "minute": 47}
